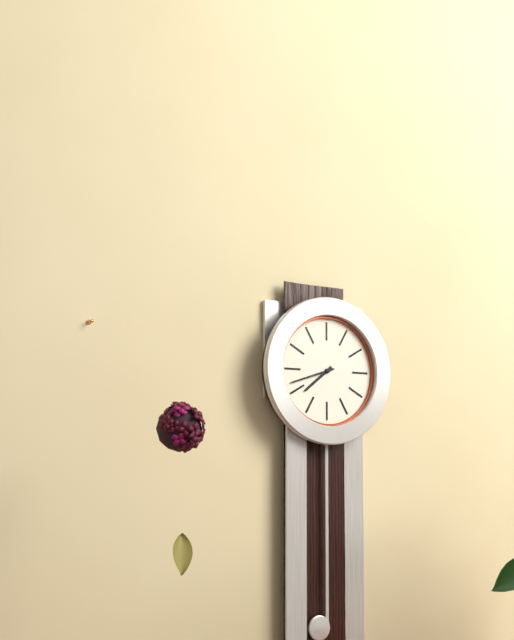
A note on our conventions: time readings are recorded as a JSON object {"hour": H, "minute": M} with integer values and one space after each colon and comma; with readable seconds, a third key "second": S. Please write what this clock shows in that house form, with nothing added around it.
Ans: {"hour": 7, "minute": 42}
